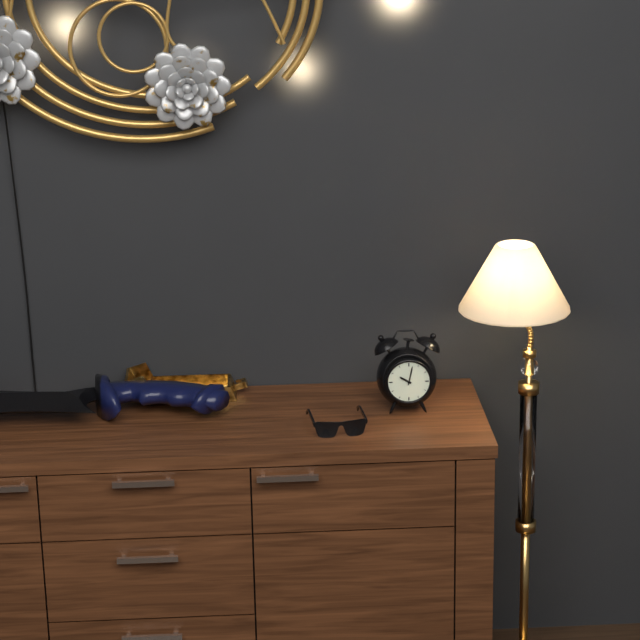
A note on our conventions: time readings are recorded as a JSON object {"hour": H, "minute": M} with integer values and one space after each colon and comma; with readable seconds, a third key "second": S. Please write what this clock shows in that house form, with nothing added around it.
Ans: {"hour": 10, "minute": 2}
